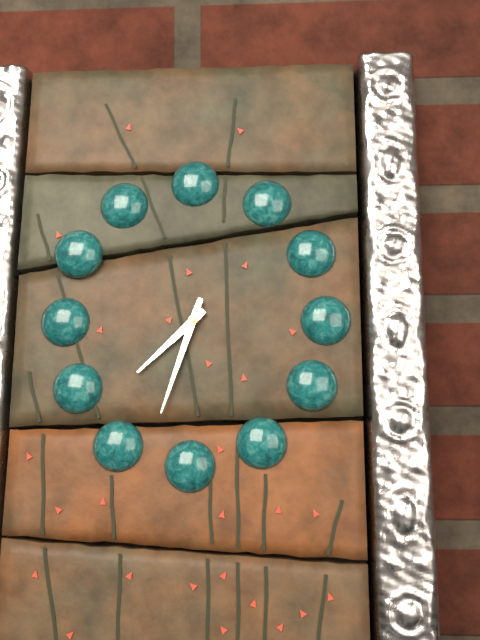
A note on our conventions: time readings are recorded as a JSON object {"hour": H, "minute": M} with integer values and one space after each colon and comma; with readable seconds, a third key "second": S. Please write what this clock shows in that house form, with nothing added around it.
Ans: {"hour": 7, "minute": 33}
